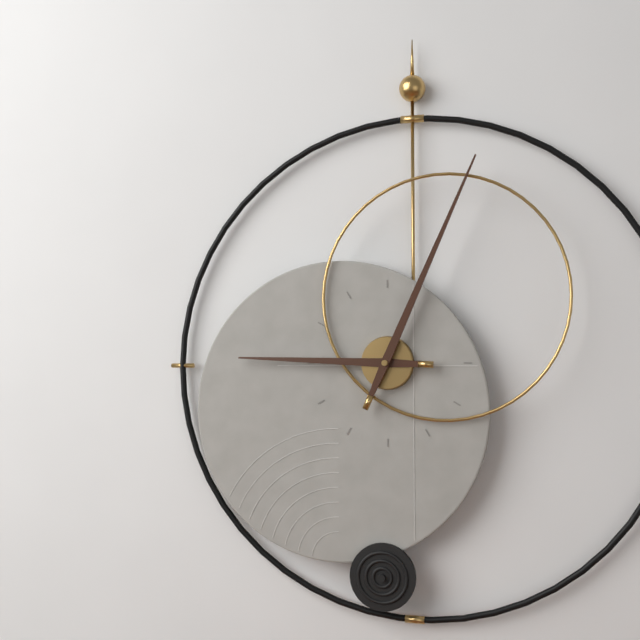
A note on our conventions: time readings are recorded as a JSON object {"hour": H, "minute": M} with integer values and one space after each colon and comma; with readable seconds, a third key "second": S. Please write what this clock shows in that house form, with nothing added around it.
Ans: {"hour": 9, "minute": 4}
